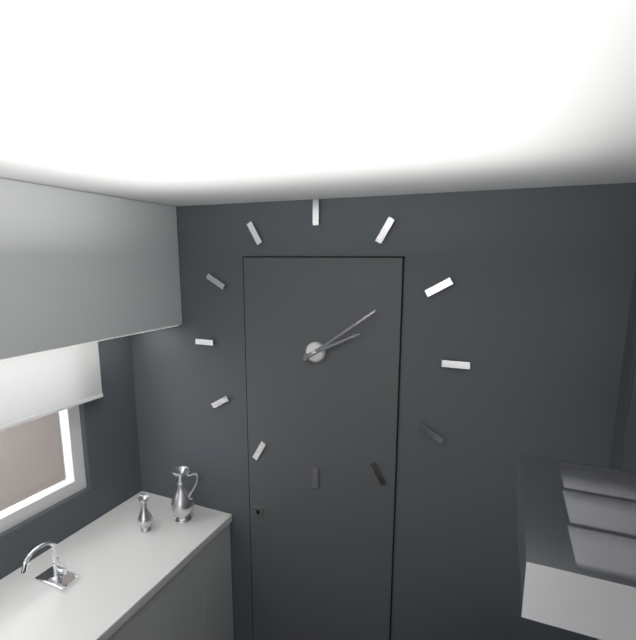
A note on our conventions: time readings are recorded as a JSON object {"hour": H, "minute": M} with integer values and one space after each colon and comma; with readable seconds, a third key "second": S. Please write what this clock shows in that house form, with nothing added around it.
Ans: {"hour": 2, "minute": 9}
